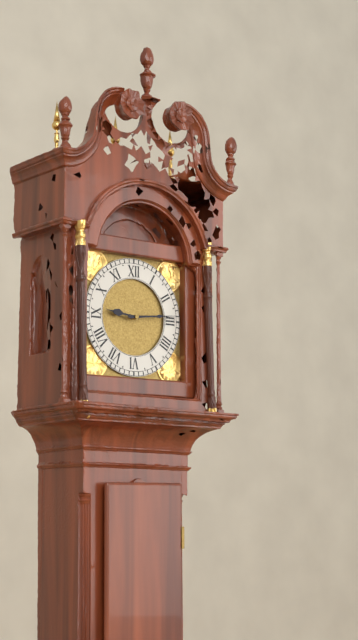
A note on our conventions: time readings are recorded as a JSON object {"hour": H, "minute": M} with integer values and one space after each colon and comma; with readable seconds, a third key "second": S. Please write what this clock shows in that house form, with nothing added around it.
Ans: {"hour": 9, "minute": 14}
